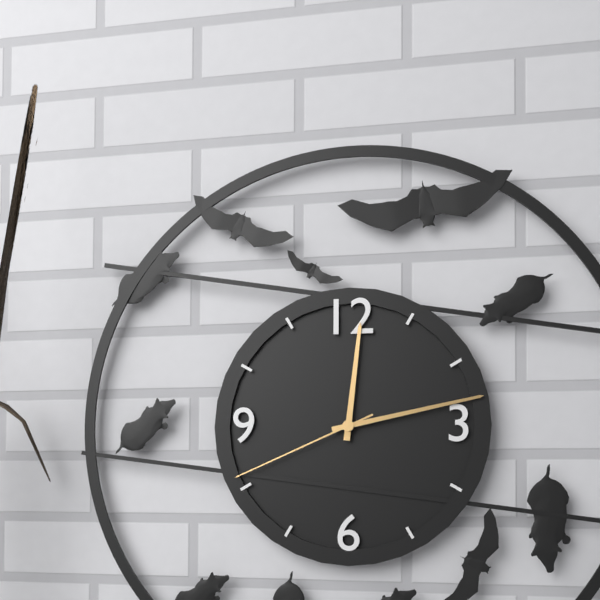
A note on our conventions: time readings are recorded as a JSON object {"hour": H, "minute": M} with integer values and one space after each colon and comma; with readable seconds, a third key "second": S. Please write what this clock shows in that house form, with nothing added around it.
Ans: {"hour": 12, "minute": 13, "second": 41}
